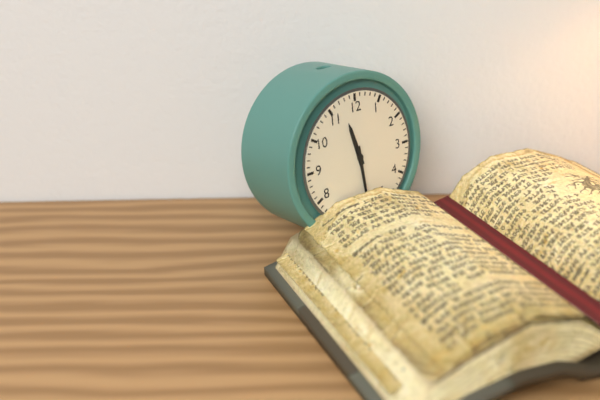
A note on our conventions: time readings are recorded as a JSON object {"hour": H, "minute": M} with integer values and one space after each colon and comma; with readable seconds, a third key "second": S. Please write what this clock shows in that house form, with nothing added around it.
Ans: {"hour": 11, "minute": 29}
